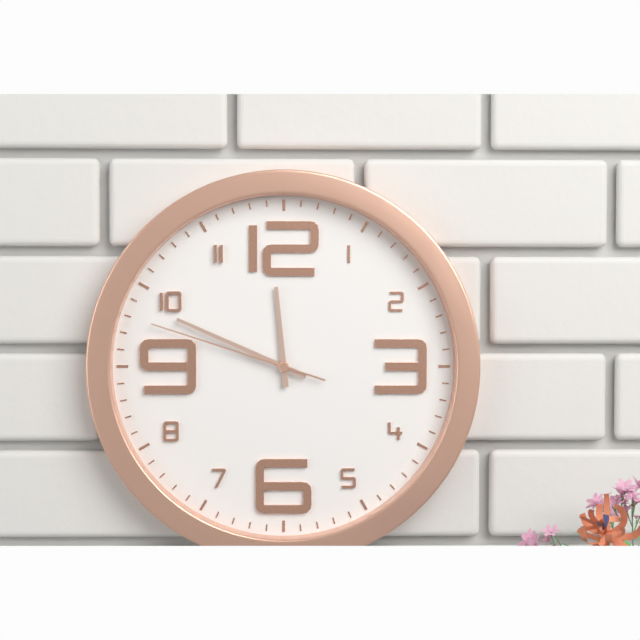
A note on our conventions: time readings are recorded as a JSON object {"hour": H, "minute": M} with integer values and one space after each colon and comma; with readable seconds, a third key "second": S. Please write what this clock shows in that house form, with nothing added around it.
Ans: {"hour": 11, "minute": 49, "second": 48}
